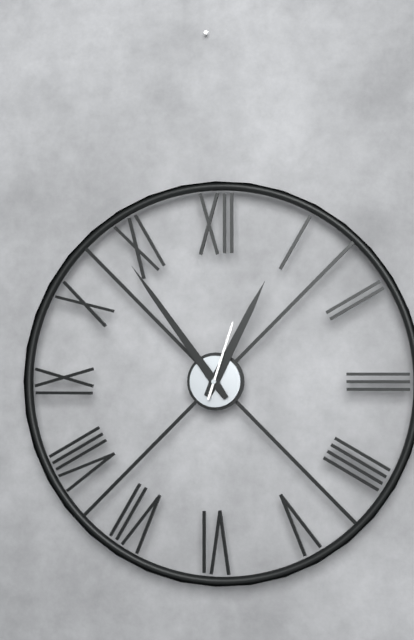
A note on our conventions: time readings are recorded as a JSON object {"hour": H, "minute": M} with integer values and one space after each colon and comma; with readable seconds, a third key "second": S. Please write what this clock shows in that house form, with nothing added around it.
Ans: {"hour": 12, "minute": 54, "second": 3}
